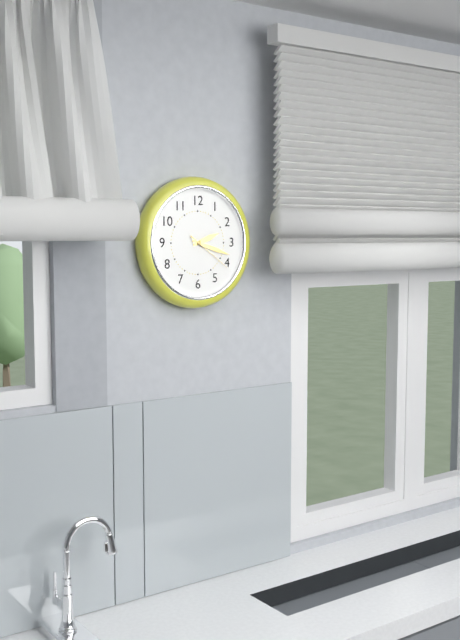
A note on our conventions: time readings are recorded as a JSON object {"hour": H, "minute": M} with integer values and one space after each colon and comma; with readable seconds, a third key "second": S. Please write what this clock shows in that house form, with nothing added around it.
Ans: {"hour": 2, "minute": 18}
